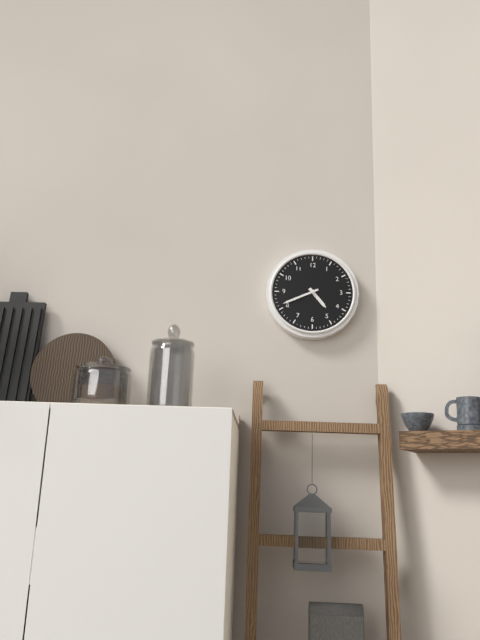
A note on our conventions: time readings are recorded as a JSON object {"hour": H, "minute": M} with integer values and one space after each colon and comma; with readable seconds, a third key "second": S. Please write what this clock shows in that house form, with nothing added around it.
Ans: {"hour": 4, "minute": 41}
